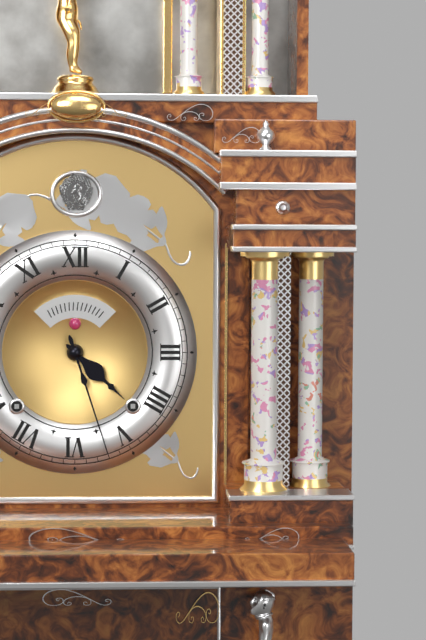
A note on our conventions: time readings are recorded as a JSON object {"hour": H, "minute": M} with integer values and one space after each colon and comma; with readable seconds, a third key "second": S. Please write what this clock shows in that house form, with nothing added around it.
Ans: {"hour": 4, "minute": 27}
